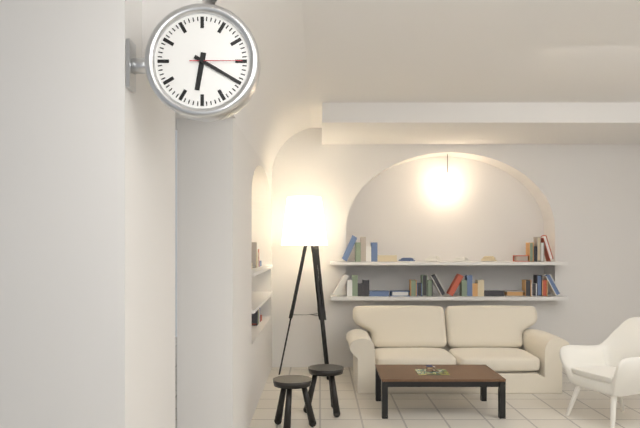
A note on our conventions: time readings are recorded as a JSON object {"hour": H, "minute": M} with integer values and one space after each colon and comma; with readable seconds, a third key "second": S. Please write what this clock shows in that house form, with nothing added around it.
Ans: {"hour": 6, "minute": 20, "second": 15}
